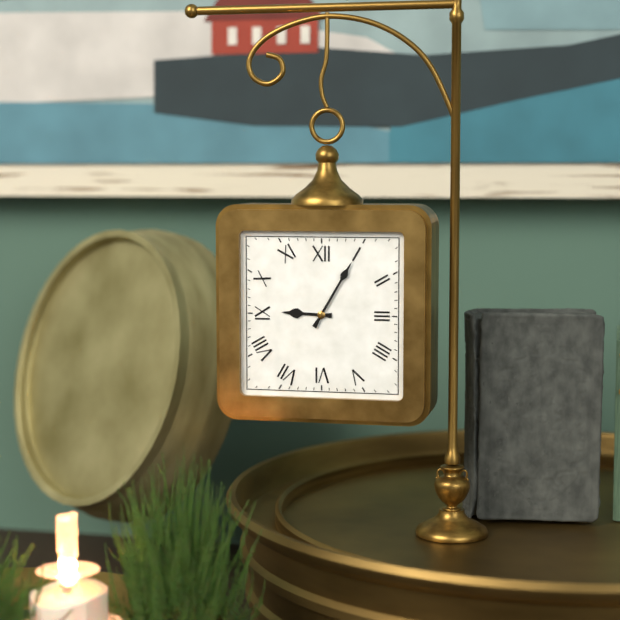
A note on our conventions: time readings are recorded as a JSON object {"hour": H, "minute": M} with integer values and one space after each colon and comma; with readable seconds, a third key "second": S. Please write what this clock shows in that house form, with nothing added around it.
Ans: {"hour": 9, "minute": 5}
